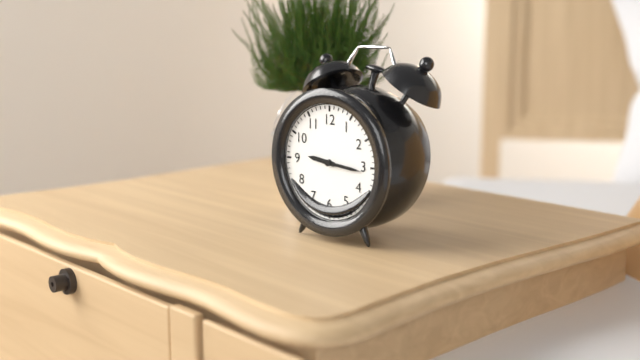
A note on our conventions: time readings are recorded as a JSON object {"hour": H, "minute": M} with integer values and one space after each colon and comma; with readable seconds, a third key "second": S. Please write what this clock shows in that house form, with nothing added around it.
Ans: {"hour": 9, "minute": 16}
